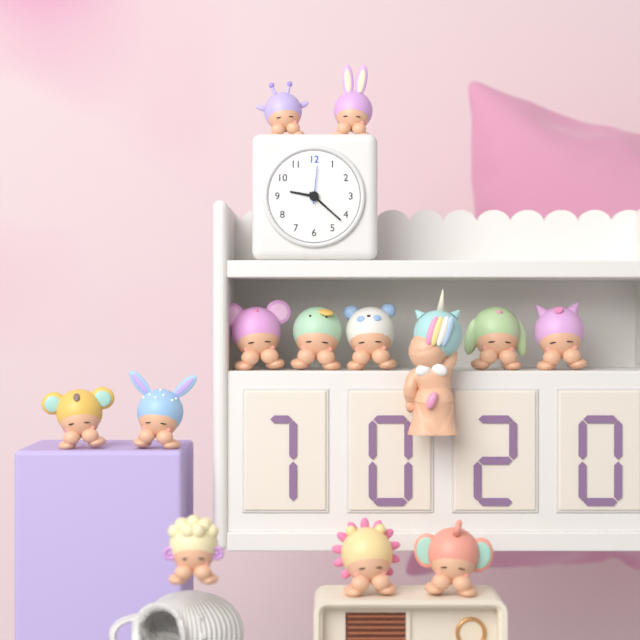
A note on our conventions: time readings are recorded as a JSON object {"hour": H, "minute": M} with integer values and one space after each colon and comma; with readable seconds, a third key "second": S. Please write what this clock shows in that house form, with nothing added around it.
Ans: {"hour": 9, "minute": 22}
